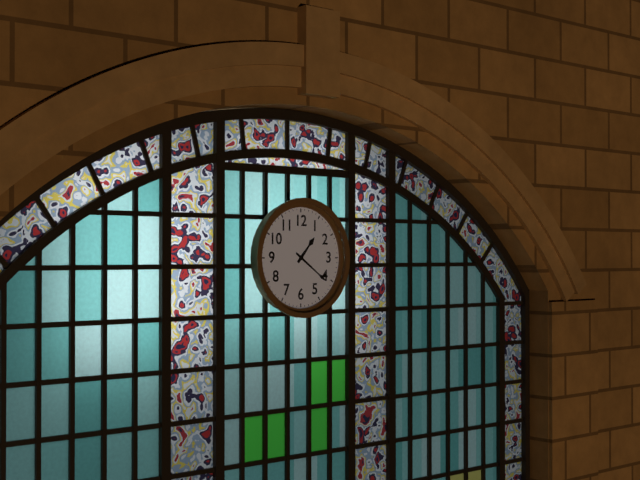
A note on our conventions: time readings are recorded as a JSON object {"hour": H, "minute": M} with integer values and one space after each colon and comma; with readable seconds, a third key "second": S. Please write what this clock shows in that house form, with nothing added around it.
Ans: {"hour": 1, "minute": 21}
